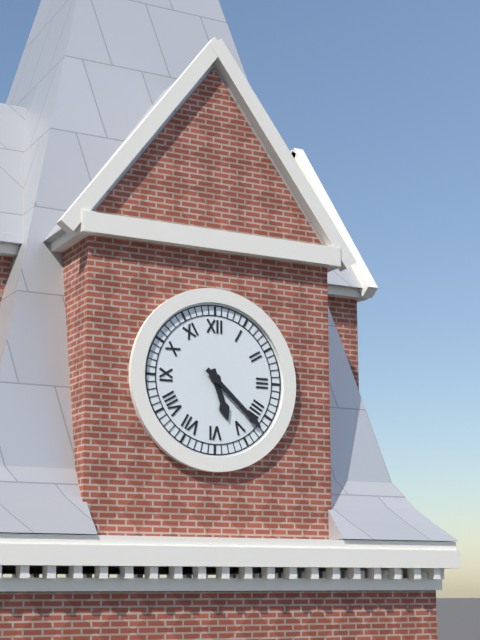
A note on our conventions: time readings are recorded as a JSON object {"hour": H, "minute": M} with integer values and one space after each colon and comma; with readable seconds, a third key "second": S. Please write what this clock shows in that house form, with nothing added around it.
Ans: {"hour": 5, "minute": 22}
